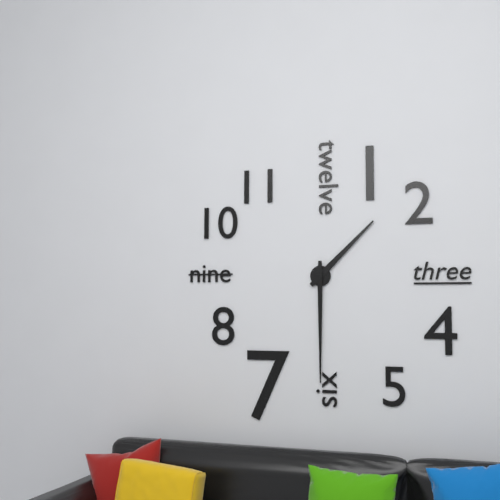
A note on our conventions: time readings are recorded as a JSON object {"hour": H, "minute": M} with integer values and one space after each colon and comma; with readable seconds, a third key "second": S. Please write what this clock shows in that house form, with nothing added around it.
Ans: {"hour": 1, "minute": 30}
